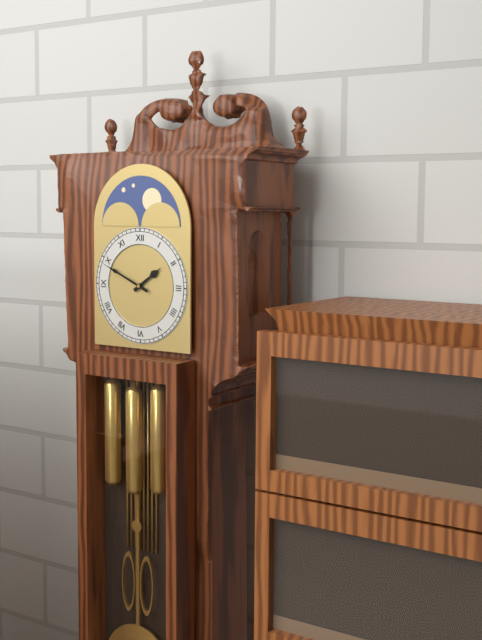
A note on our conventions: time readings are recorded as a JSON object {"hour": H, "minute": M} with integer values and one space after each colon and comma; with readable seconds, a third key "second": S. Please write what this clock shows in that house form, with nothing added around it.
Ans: {"hour": 1, "minute": 49}
